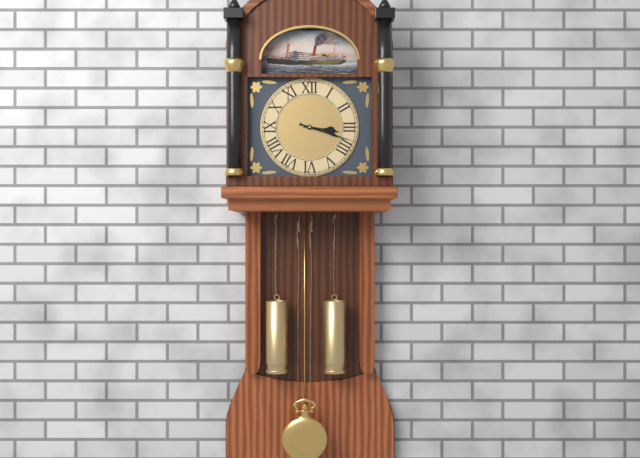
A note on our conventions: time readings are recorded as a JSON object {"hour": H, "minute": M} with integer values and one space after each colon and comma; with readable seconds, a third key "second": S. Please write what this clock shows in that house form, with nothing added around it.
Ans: {"hour": 3, "minute": 18}
